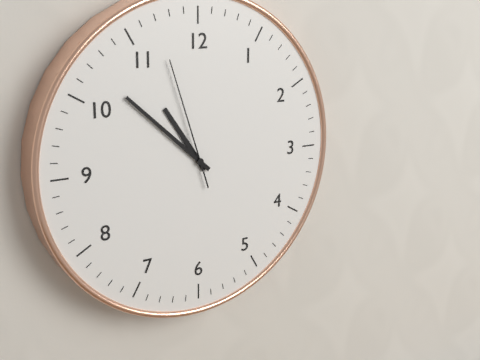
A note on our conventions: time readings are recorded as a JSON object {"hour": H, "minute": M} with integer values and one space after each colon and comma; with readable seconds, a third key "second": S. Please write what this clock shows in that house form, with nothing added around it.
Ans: {"hour": 10, "minute": 52, "second": 57}
